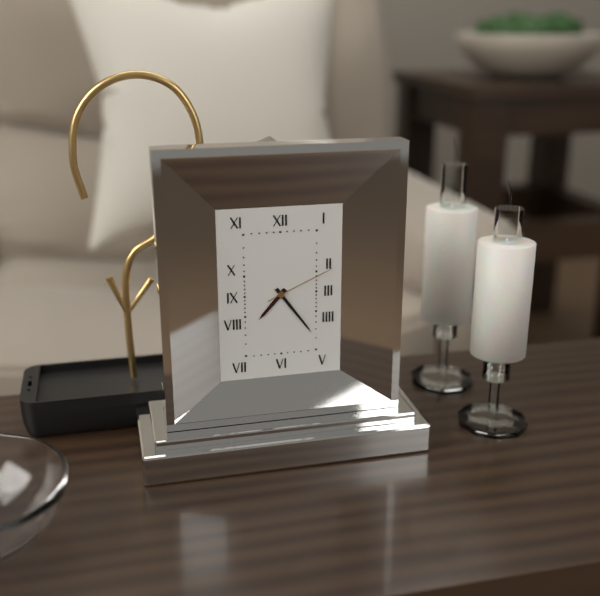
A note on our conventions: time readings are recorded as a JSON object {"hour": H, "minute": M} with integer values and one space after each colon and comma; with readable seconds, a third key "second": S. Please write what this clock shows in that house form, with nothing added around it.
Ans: {"hour": 7, "minute": 24, "second": 11}
